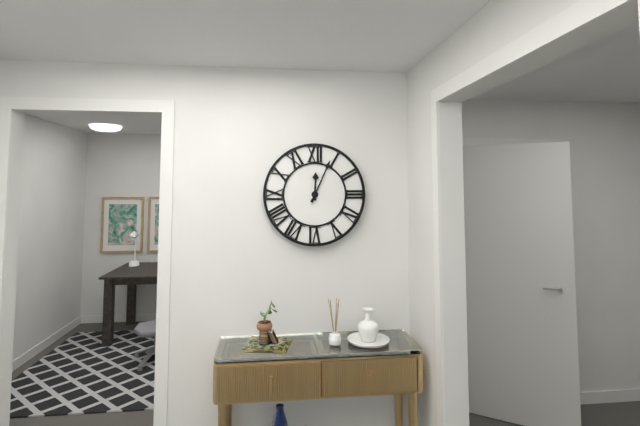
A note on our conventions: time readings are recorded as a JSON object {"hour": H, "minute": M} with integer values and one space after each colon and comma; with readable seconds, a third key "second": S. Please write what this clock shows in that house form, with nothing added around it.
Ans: {"hour": 12, "minute": 4}
